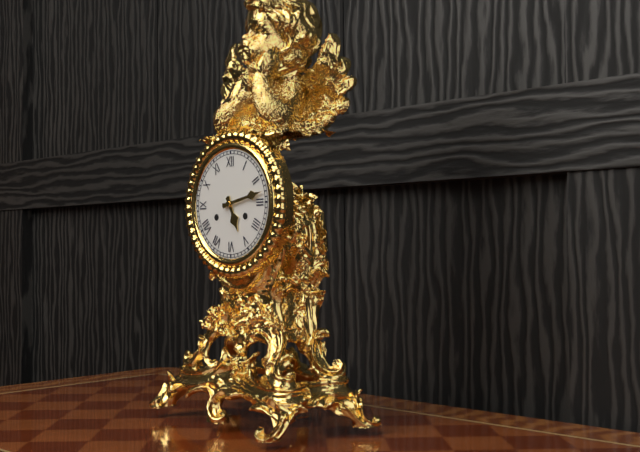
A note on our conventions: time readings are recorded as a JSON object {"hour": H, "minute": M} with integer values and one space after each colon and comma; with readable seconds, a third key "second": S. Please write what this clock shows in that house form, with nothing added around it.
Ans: {"hour": 5, "minute": 13}
